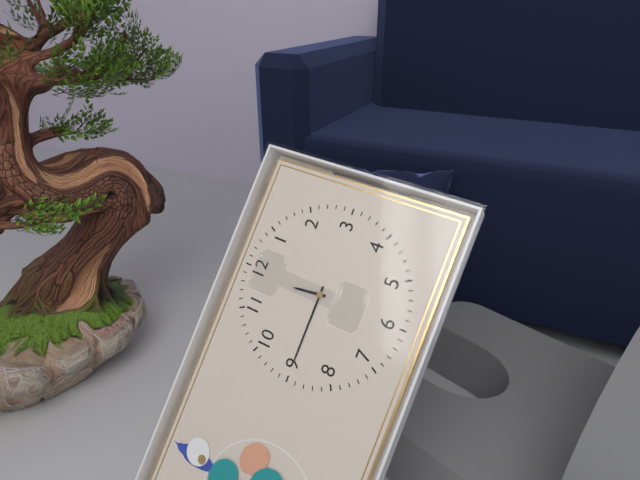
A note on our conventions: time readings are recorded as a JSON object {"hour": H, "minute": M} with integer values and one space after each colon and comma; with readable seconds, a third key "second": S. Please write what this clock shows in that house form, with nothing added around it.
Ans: {"hour": 11, "minute": 45}
